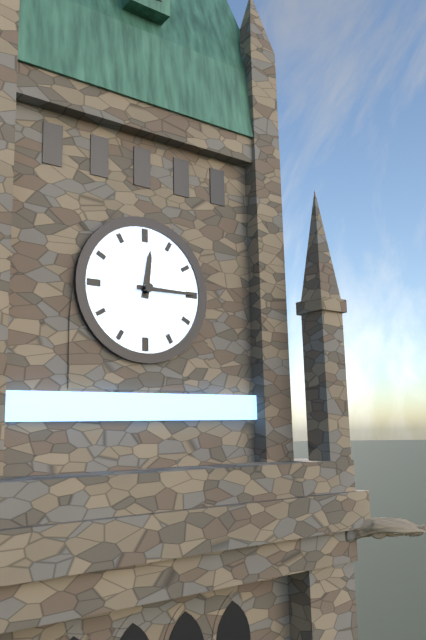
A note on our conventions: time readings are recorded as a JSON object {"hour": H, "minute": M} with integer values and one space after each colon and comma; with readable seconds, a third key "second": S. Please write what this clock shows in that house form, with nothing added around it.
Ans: {"hour": 12, "minute": 15}
